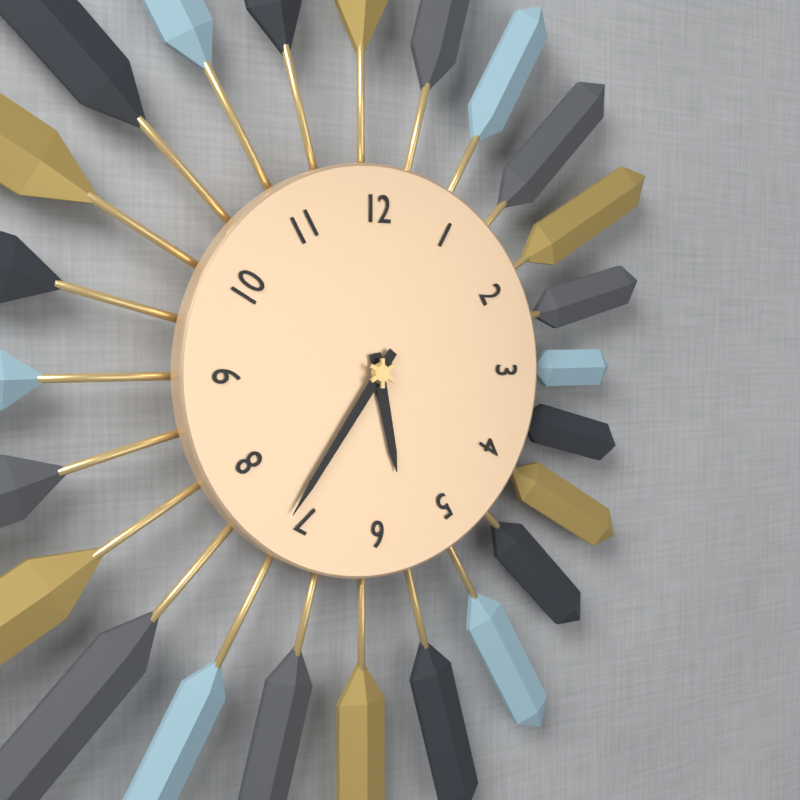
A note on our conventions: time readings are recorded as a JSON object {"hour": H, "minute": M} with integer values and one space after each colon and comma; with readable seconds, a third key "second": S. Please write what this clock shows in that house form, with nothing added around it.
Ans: {"hour": 5, "minute": 36}
